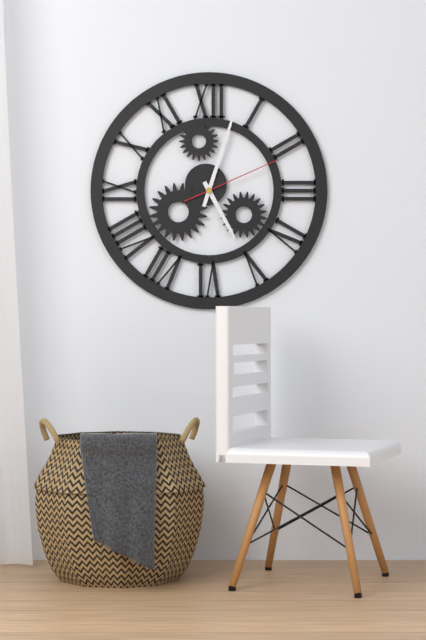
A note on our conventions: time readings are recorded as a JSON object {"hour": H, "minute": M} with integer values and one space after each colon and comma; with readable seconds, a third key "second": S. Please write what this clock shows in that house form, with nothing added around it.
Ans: {"hour": 5, "minute": 3, "second": 11}
